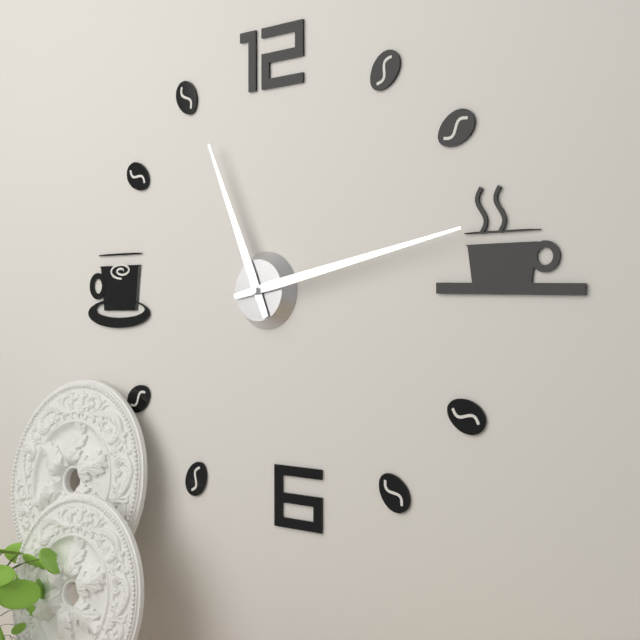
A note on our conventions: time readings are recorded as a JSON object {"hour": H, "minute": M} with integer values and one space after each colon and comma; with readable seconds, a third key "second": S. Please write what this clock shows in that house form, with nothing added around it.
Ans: {"hour": 11, "minute": 13}
